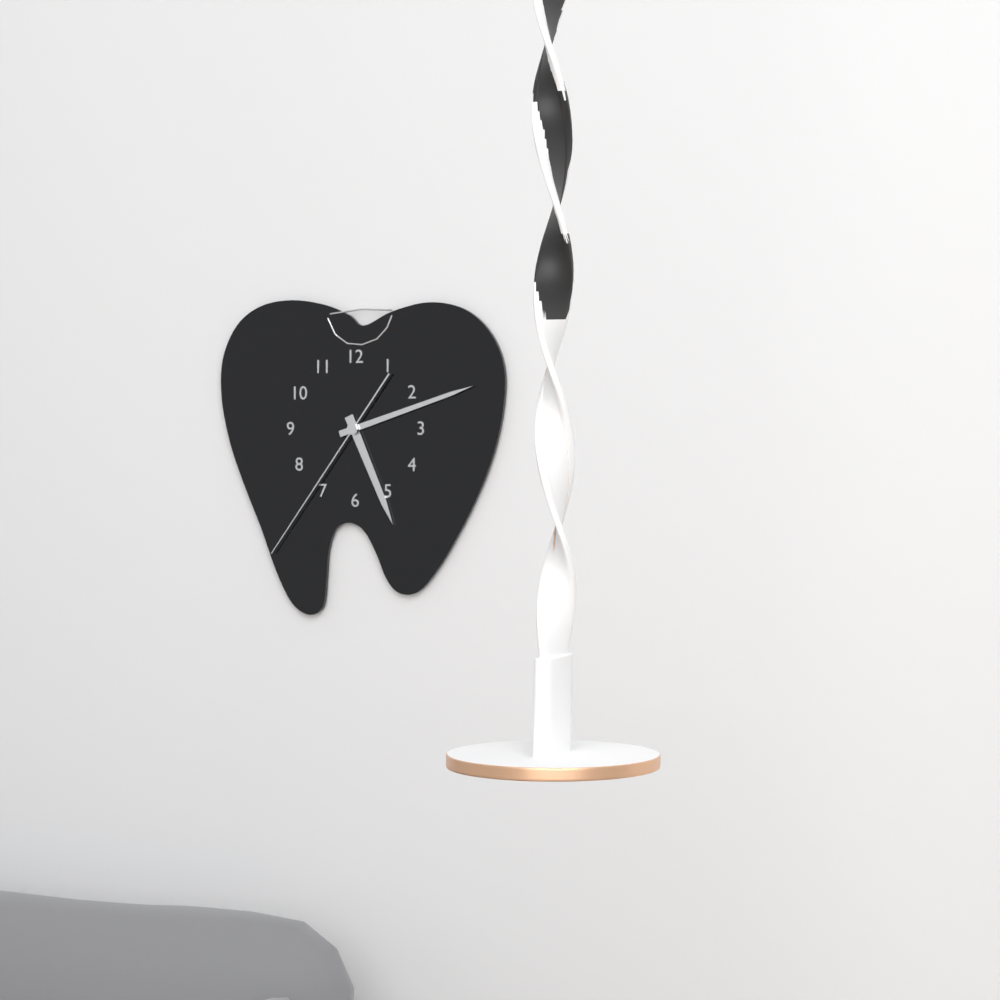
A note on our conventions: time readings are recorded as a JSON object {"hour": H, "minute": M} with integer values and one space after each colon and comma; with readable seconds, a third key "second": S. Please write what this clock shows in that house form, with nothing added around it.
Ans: {"hour": 5, "minute": 12, "second": 36}
